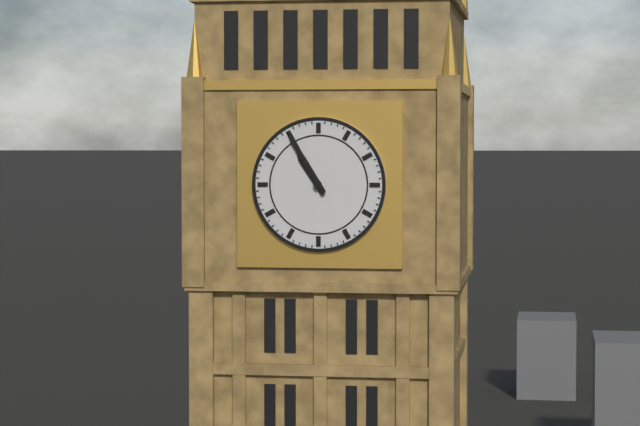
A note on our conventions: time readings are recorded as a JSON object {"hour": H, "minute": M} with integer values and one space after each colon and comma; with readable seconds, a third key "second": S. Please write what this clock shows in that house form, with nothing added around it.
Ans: {"hour": 10, "minute": 55}
